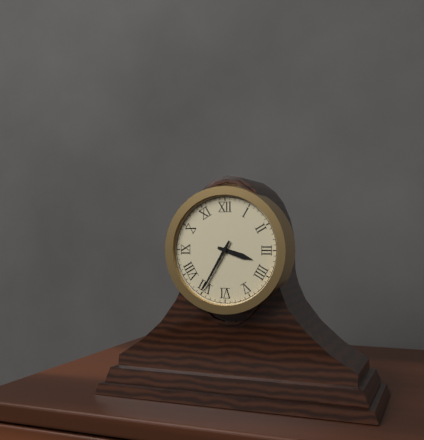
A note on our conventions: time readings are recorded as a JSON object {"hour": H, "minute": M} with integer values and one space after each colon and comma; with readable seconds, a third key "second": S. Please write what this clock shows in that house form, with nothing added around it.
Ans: {"hour": 3, "minute": 35}
